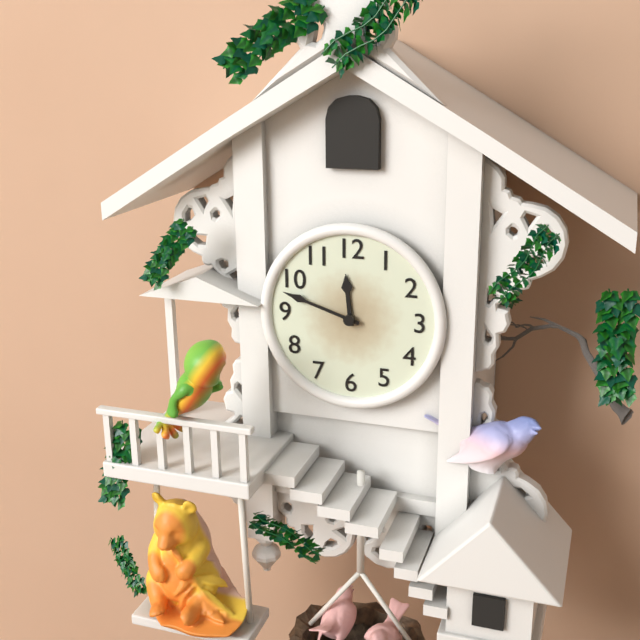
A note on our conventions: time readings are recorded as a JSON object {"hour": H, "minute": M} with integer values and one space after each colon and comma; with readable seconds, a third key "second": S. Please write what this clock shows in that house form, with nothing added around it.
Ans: {"hour": 11, "minute": 48}
